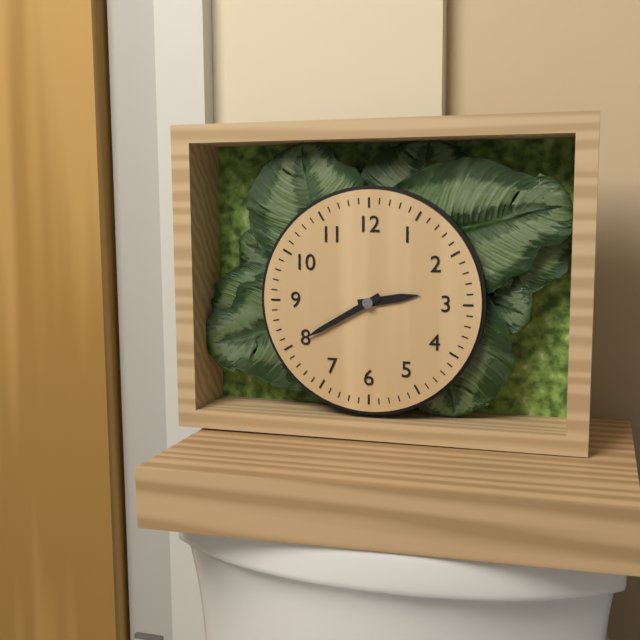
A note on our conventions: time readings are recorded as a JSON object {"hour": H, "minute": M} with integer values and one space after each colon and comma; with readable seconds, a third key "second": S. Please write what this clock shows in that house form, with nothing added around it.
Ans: {"hour": 2, "minute": 40}
